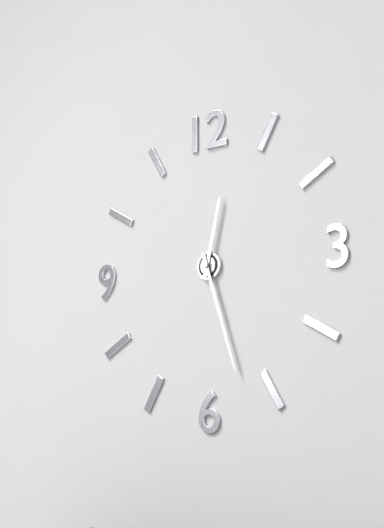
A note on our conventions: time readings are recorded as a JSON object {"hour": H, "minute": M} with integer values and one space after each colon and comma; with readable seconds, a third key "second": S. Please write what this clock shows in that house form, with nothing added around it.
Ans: {"hour": 12, "minute": 27}
